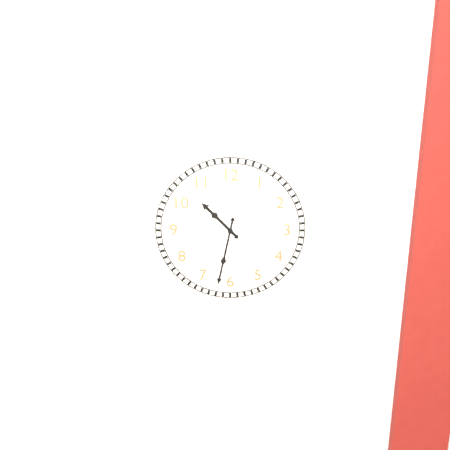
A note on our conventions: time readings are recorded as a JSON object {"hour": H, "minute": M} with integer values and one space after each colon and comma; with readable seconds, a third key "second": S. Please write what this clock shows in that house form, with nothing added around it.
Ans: {"hour": 10, "minute": 32}
